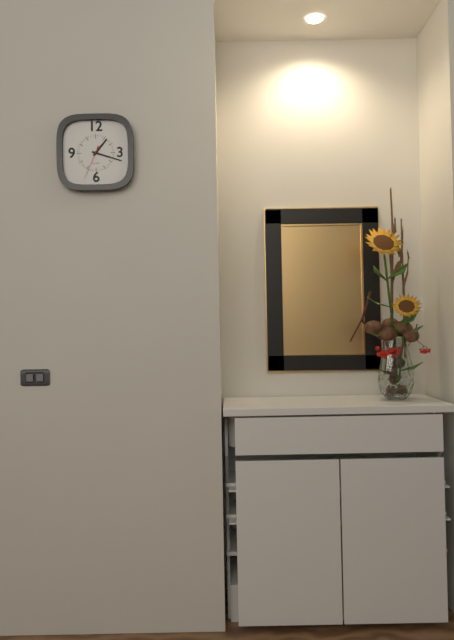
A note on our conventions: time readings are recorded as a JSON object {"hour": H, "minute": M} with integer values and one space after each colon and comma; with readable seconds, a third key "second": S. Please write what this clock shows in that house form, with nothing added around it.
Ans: {"hour": 1, "minute": 18}
